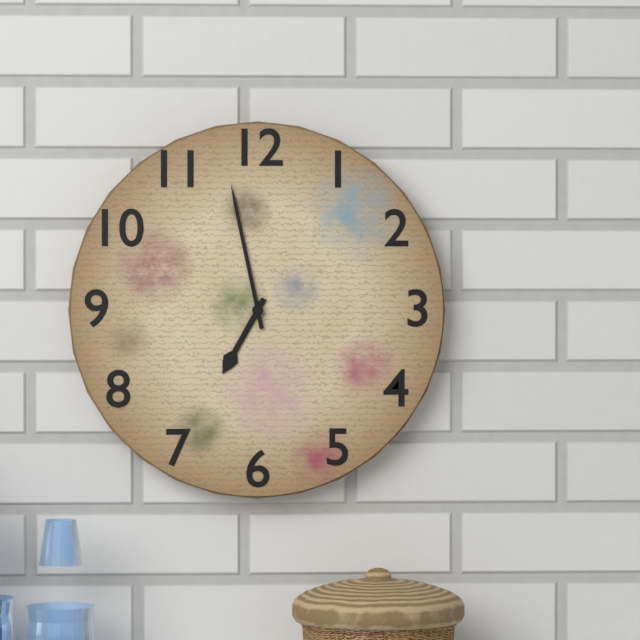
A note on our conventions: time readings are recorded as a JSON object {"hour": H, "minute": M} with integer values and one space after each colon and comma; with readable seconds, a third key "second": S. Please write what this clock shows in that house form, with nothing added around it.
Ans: {"hour": 6, "minute": 58}
